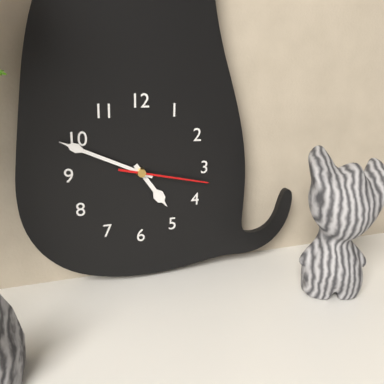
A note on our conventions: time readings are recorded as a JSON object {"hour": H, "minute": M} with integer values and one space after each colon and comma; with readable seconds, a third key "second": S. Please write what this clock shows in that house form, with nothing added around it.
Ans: {"hour": 4, "minute": 49, "second": 17}
